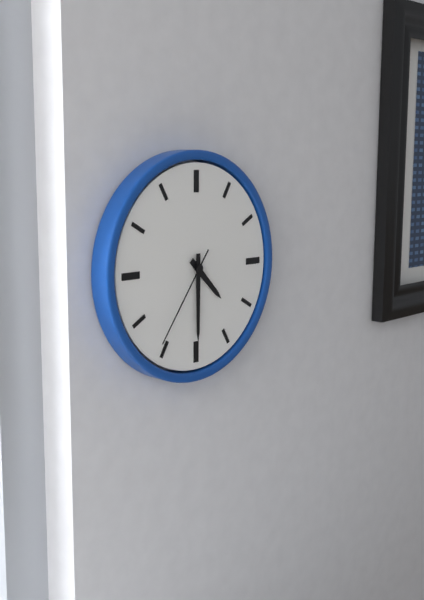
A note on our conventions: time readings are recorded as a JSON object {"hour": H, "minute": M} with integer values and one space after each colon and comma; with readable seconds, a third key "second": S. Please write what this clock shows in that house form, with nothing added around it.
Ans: {"hour": 4, "minute": 30, "second": 36}
